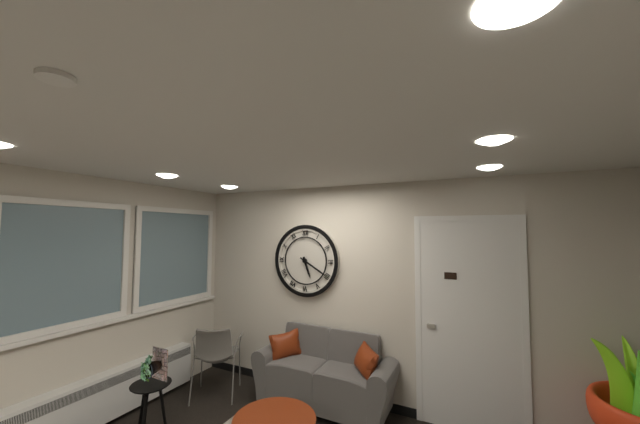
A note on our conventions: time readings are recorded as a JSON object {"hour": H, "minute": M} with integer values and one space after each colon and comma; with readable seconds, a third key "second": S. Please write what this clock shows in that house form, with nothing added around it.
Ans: {"hour": 5, "minute": 20}
